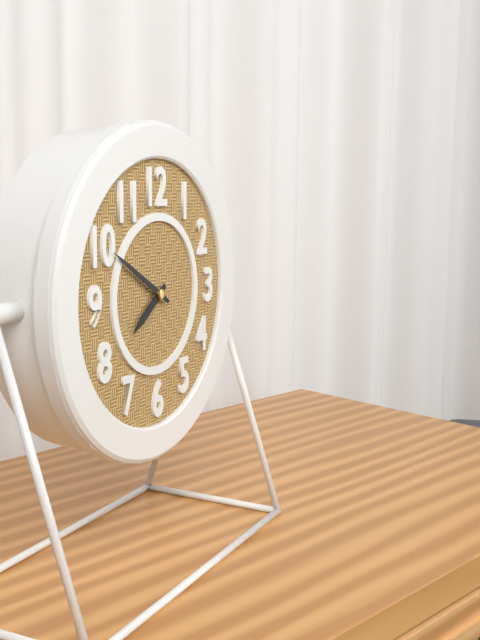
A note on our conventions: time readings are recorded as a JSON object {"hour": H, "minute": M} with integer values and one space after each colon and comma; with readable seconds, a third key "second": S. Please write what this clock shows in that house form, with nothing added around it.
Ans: {"hour": 7, "minute": 50}
